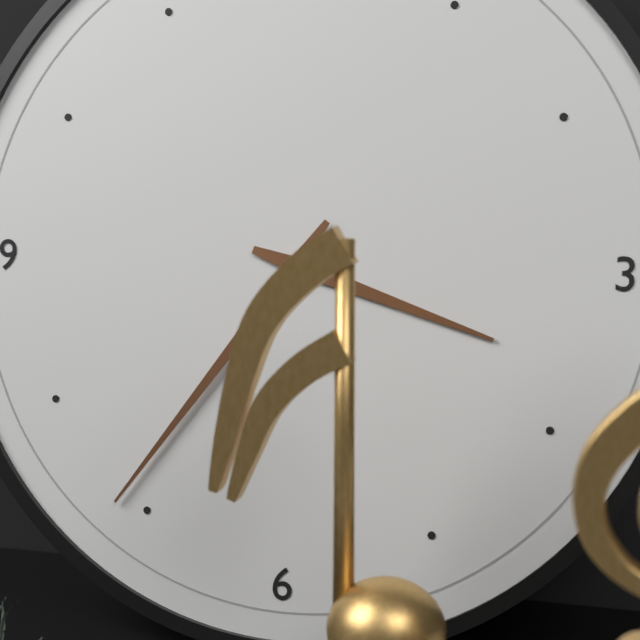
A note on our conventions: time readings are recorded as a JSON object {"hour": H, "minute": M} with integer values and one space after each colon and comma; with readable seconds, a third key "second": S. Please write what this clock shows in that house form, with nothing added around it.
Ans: {"hour": 3, "minute": 36}
